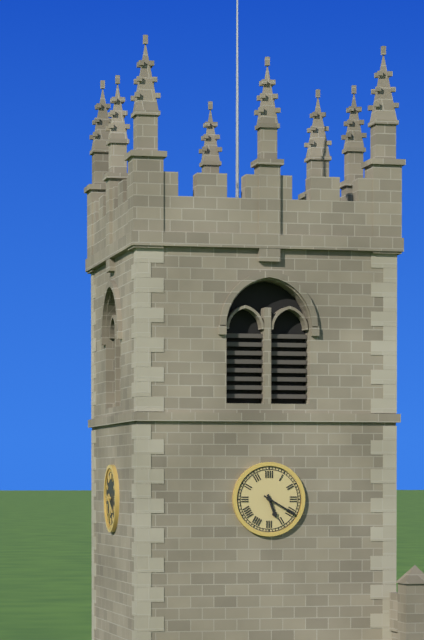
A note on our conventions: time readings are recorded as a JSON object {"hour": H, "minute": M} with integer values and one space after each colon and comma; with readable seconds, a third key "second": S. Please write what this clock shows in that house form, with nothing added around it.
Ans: {"hour": 5, "minute": 20}
